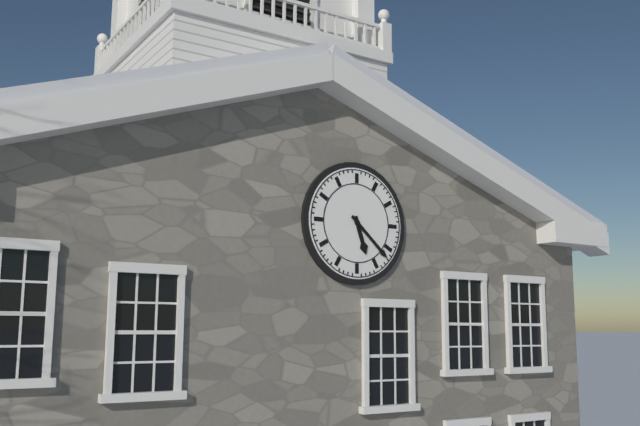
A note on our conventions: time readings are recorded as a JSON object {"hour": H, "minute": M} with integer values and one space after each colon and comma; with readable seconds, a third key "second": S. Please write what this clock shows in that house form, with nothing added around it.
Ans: {"hour": 5, "minute": 22}
